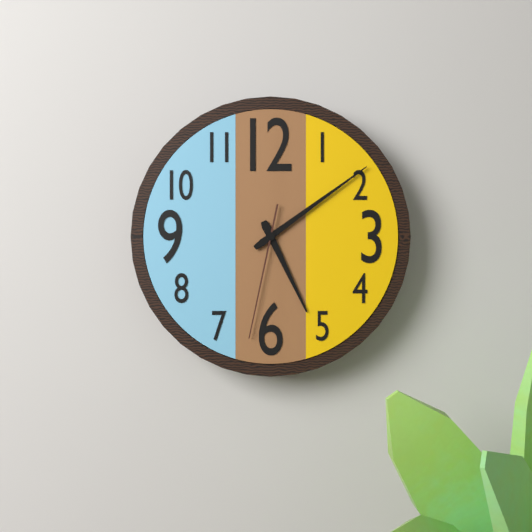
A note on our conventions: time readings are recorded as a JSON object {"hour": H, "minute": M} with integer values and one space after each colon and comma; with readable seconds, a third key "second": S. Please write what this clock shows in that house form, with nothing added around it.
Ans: {"hour": 5, "minute": 9, "second": 32}
